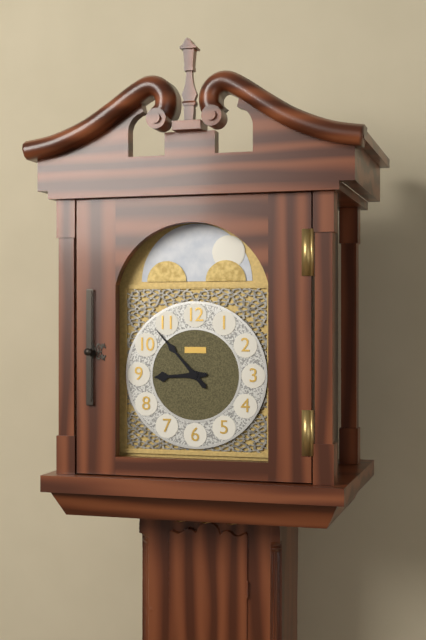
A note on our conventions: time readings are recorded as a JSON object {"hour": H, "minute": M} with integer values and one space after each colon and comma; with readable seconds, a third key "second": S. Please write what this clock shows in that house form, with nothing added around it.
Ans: {"hour": 8, "minute": 53}
